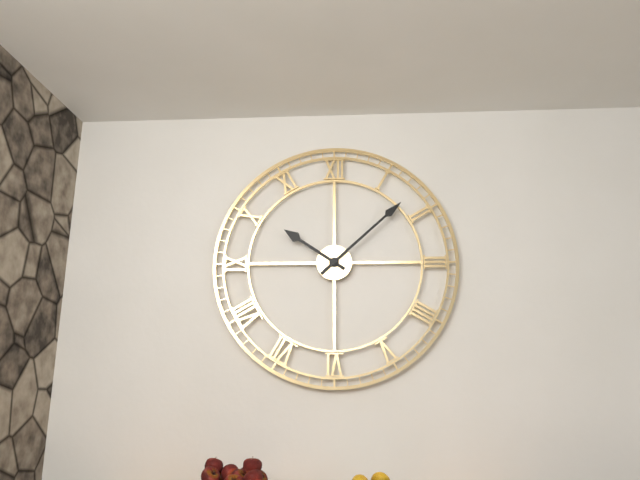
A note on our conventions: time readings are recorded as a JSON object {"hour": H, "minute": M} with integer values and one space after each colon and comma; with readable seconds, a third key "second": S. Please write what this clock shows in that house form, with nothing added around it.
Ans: {"hour": 10, "minute": 8}
